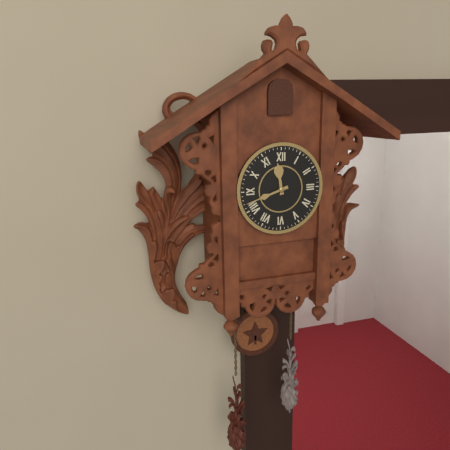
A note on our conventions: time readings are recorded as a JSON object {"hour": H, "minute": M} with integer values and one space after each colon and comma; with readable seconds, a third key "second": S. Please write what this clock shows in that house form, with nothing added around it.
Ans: {"hour": 11, "minute": 42}
